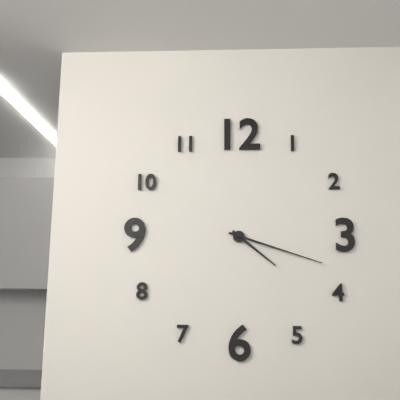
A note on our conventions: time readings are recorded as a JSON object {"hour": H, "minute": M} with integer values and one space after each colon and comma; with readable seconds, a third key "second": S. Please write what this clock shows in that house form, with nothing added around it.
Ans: {"hour": 4, "minute": 18}
